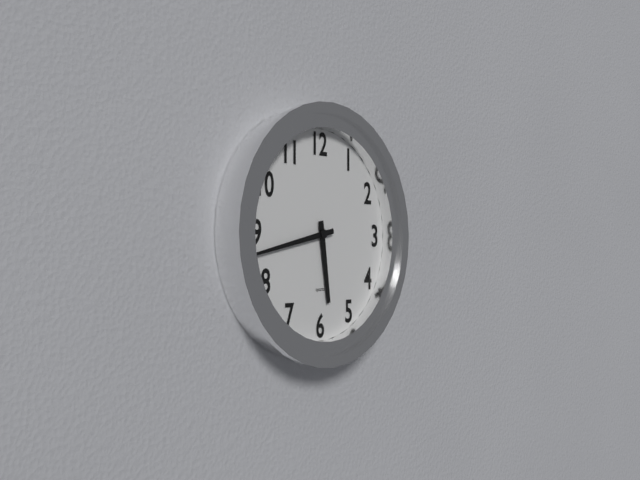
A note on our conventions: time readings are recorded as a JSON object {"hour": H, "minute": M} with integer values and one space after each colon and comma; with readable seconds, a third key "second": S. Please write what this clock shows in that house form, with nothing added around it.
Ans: {"hour": 5, "minute": 43}
